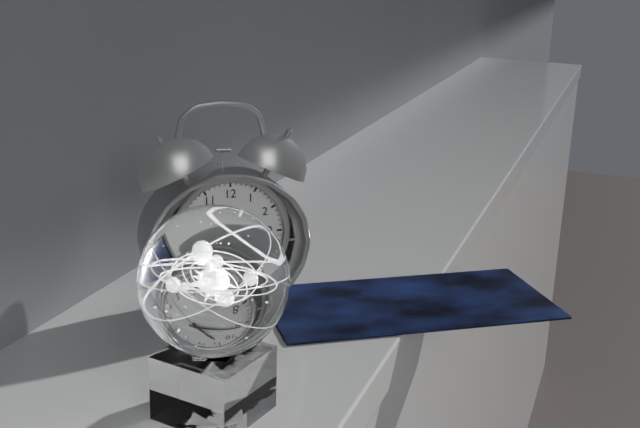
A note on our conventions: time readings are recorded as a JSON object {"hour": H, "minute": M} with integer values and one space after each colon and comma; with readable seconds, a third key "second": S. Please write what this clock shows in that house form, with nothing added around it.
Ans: {"hour": 10, "minute": 46, "second": 23}
